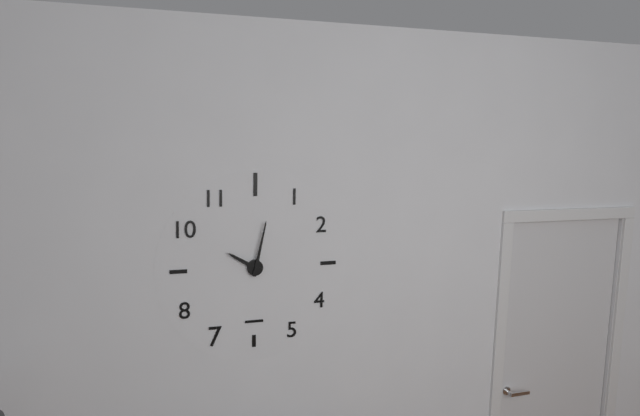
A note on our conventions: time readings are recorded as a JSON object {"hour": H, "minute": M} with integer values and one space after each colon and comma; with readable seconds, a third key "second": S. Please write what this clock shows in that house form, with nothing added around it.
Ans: {"hour": 10, "minute": 2}
